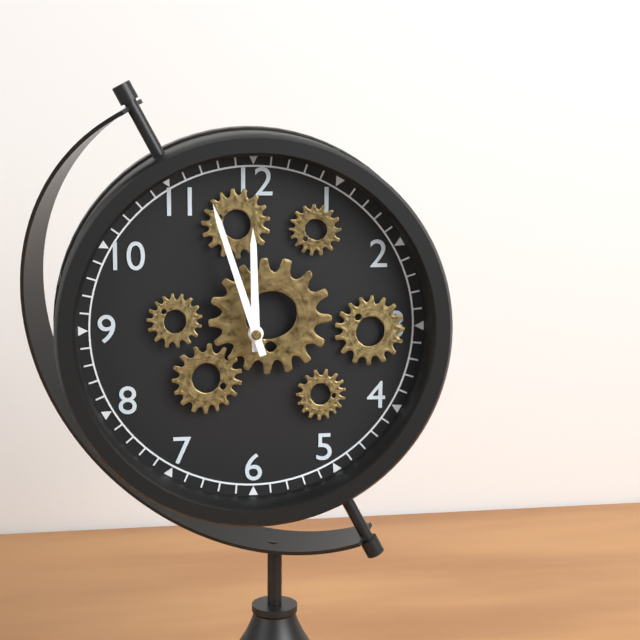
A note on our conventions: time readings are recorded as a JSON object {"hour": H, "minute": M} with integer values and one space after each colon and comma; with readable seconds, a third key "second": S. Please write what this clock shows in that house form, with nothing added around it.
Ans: {"hour": 11, "minute": 57}
